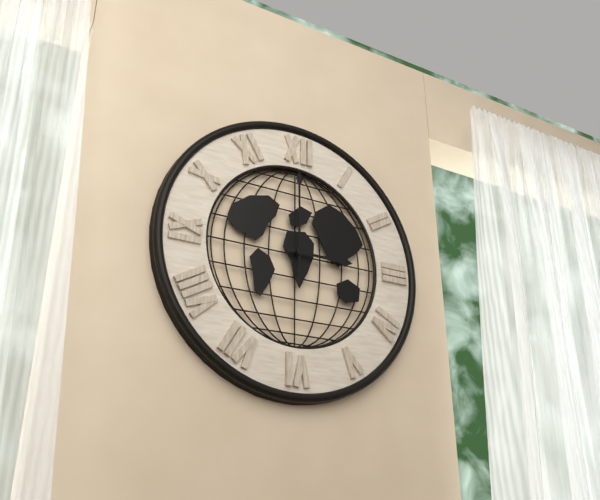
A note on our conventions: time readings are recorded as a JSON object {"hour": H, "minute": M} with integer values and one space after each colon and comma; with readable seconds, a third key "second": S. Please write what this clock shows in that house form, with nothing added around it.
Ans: {"hour": 3, "minute": 0}
